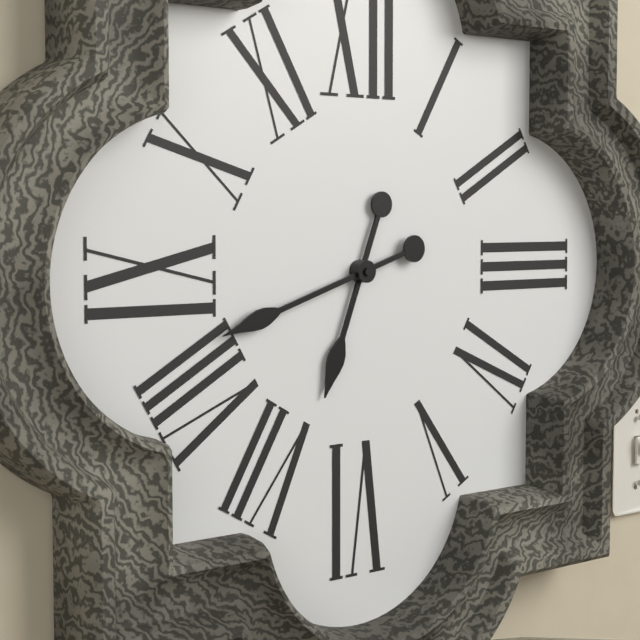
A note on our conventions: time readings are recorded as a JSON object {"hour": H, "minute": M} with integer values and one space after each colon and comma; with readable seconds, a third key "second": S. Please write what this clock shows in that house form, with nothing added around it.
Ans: {"hour": 6, "minute": 42}
